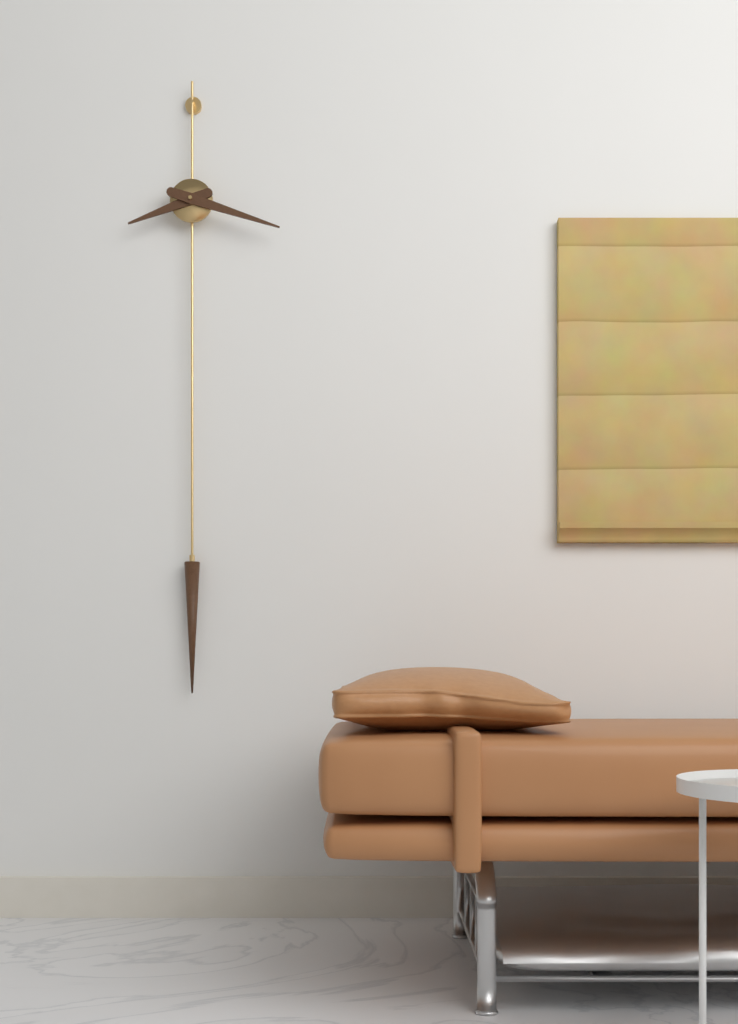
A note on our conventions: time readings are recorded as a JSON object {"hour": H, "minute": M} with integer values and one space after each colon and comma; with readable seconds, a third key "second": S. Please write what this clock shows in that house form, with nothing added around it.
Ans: {"hour": 8, "minute": 18}
